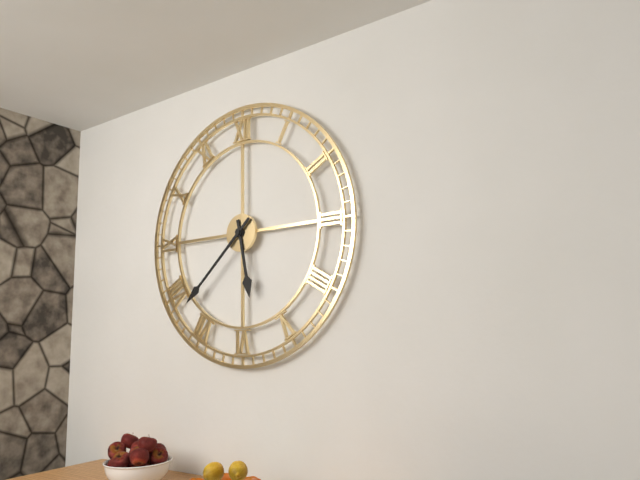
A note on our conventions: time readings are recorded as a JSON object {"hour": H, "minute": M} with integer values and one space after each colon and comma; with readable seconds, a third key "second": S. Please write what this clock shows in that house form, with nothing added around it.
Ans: {"hour": 5, "minute": 38}
